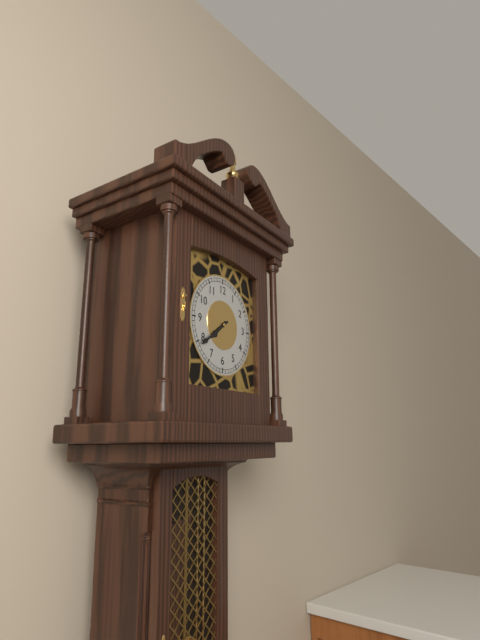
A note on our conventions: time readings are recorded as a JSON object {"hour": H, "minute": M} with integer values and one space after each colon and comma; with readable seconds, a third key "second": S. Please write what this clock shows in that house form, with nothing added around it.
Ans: {"hour": 7, "minute": 39}
